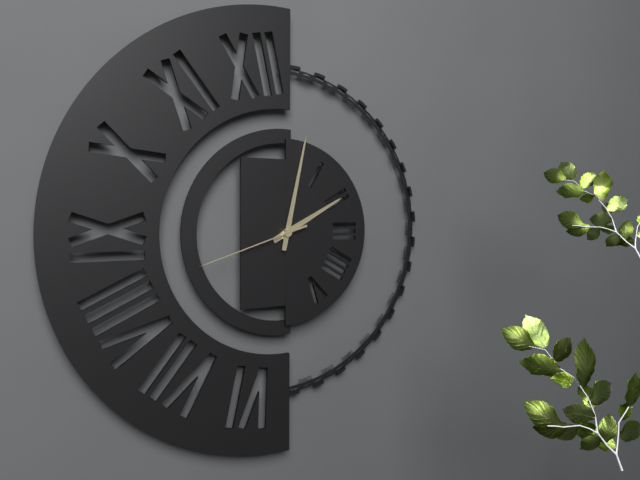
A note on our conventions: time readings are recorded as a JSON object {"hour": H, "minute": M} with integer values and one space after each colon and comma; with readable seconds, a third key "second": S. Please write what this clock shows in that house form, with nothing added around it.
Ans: {"hour": 2, "minute": 2, "second": 42}
